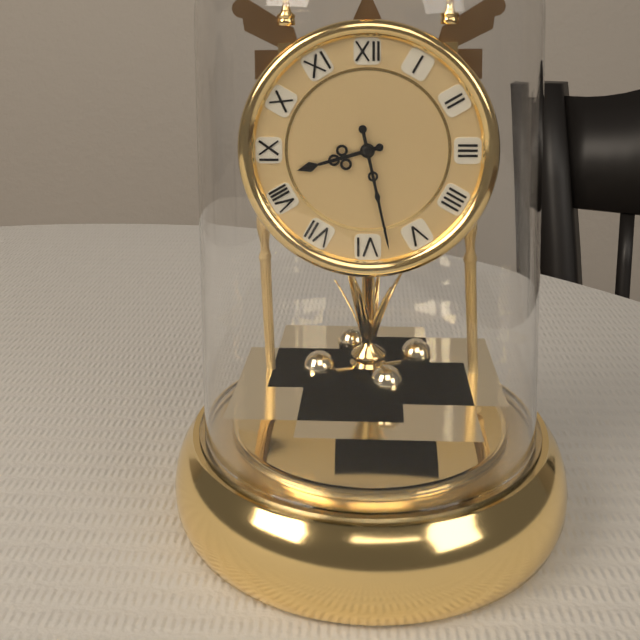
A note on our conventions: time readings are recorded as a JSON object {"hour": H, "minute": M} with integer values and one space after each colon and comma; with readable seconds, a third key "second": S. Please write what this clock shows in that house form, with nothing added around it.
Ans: {"hour": 8, "minute": 28}
